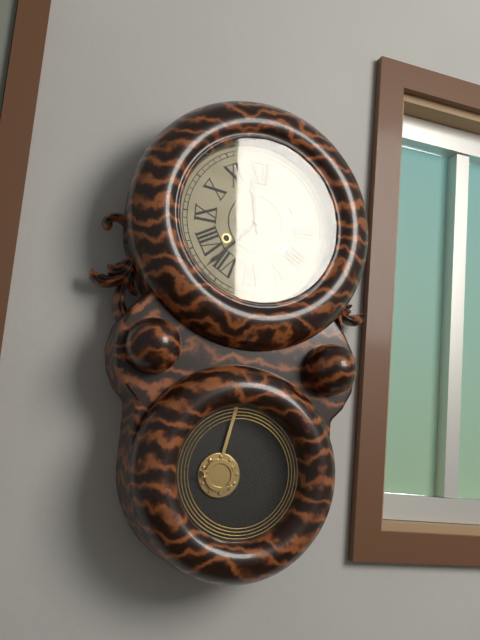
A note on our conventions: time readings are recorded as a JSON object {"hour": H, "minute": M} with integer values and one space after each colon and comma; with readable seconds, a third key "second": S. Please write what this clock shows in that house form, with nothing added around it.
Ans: {"hour": 11, "minute": 37}
